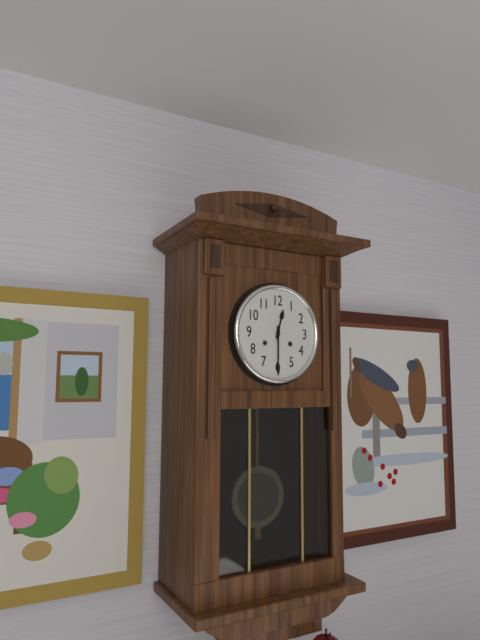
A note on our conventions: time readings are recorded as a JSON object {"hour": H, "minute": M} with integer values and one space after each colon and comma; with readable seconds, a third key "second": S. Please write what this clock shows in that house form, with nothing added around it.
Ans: {"hour": 12, "minute": 30}
